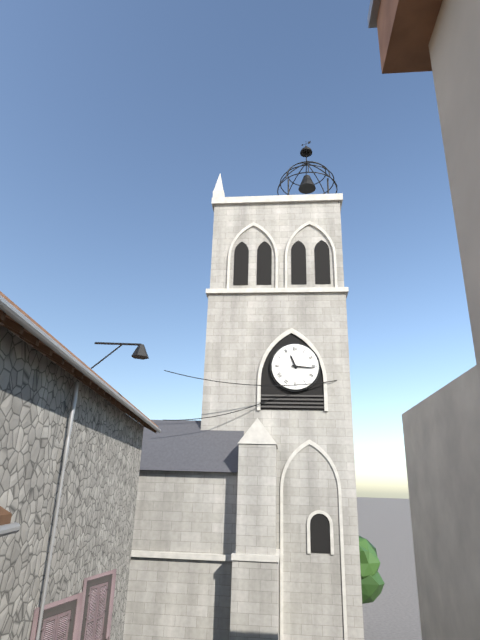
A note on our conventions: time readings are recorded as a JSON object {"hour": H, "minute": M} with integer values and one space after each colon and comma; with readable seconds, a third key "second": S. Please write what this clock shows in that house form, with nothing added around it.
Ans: {"hour": 11, "minute": 16}
